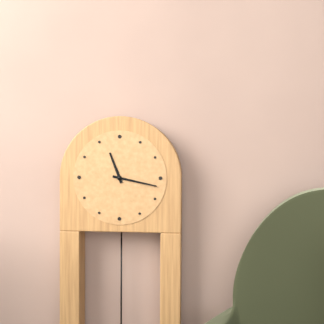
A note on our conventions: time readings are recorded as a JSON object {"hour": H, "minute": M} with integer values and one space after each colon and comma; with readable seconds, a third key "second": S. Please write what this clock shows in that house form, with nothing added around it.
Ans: {"hour": 11, "minute": 17}
